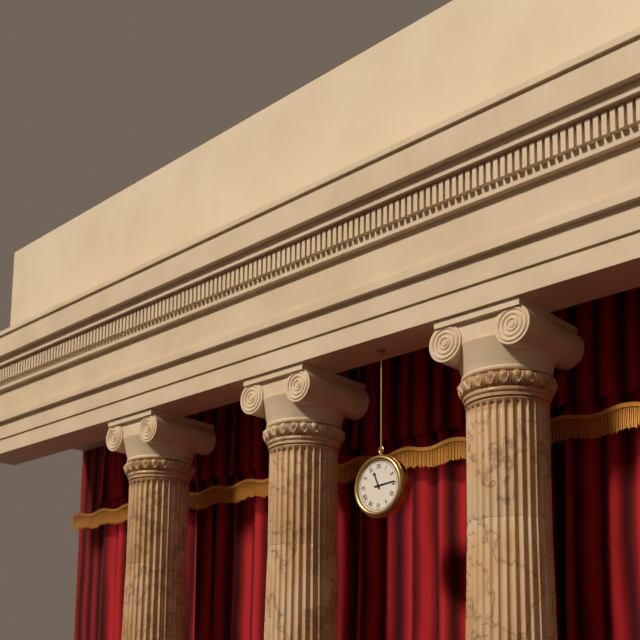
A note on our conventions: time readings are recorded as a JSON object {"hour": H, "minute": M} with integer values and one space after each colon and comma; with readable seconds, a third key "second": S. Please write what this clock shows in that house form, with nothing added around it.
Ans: {"hour": 11, "minute": 14}
